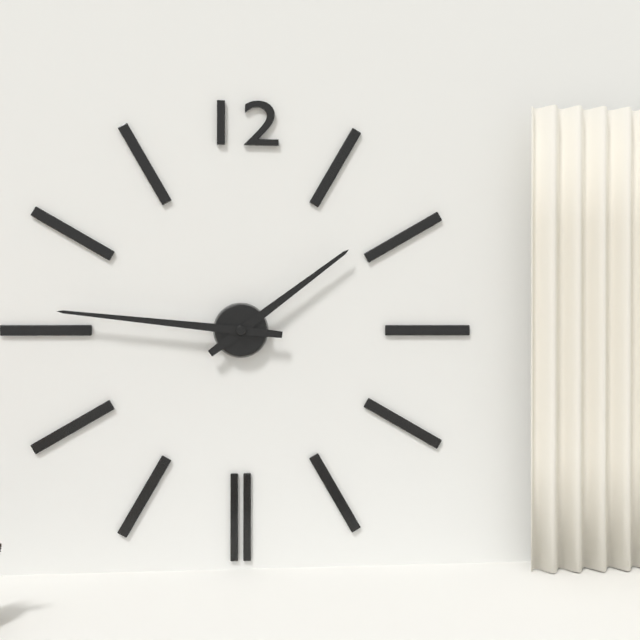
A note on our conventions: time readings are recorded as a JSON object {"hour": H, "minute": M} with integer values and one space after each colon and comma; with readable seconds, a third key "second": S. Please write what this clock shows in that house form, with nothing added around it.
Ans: {"hour": 1, "minute": 46}
